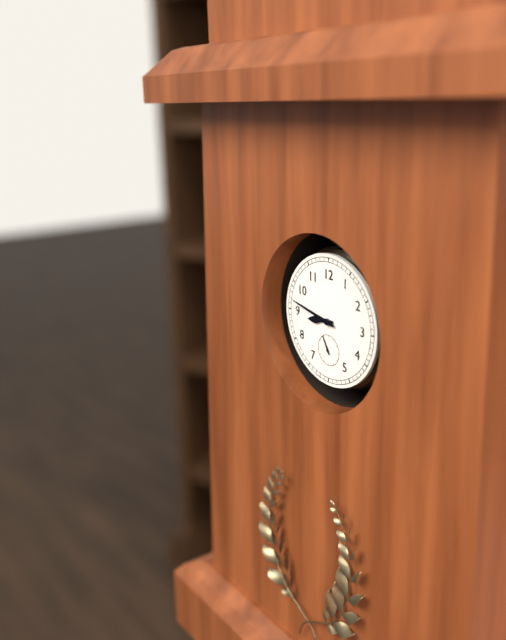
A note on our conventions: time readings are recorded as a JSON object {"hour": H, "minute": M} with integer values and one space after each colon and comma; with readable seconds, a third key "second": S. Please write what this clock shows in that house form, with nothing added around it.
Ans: {"hour": 8, "minute": 47}
